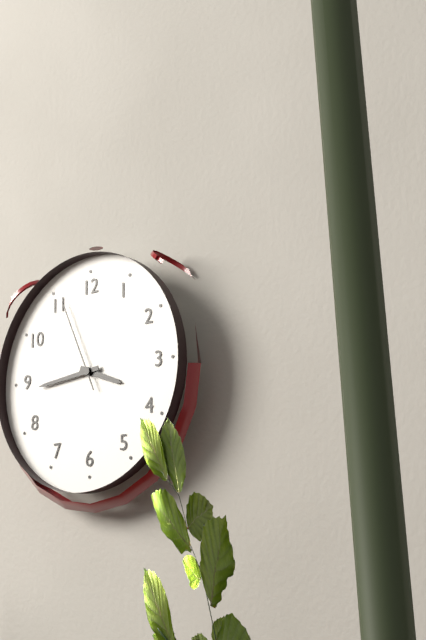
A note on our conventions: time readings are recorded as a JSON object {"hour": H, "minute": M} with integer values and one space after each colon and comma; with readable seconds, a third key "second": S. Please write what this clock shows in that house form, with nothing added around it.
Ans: {"hour": 3, "minute": 44, "second": 56}
